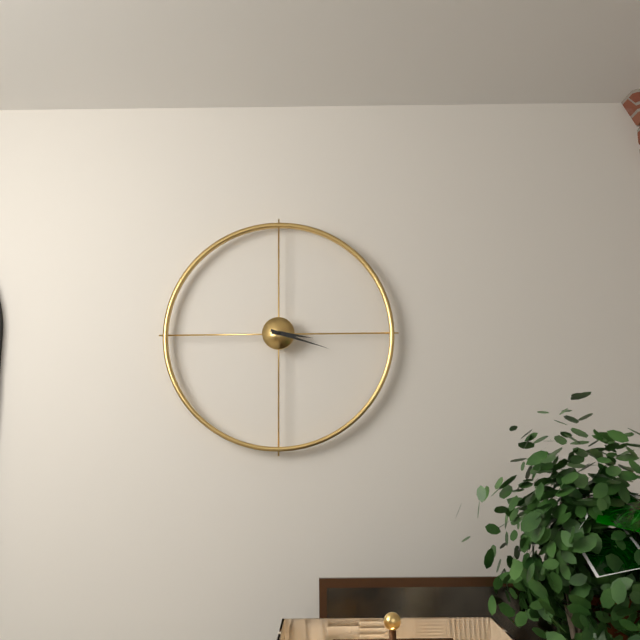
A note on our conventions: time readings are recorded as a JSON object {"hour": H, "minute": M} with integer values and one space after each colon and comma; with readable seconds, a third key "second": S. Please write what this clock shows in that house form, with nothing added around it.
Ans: {"hour": 3, "minute": 18}
